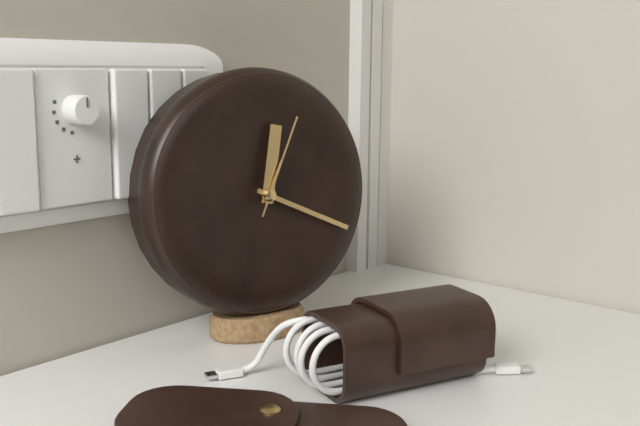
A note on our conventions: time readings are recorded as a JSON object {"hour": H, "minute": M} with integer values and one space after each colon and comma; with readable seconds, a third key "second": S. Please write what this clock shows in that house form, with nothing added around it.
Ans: {"hour": 12, "minute": 19, "second": 4}
